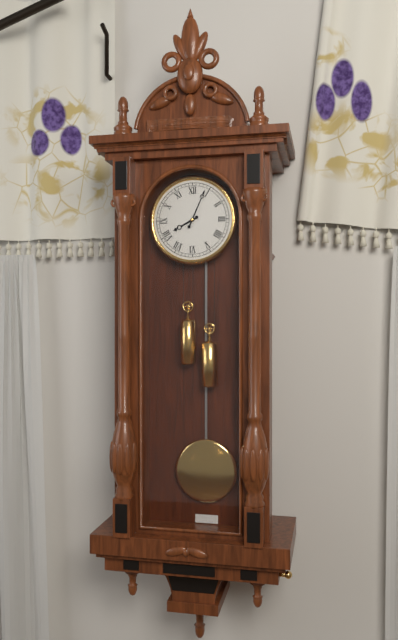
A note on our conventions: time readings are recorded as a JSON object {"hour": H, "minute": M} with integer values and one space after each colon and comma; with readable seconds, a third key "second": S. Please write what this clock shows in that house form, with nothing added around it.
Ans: {"hour": 8, "minute": 4}
